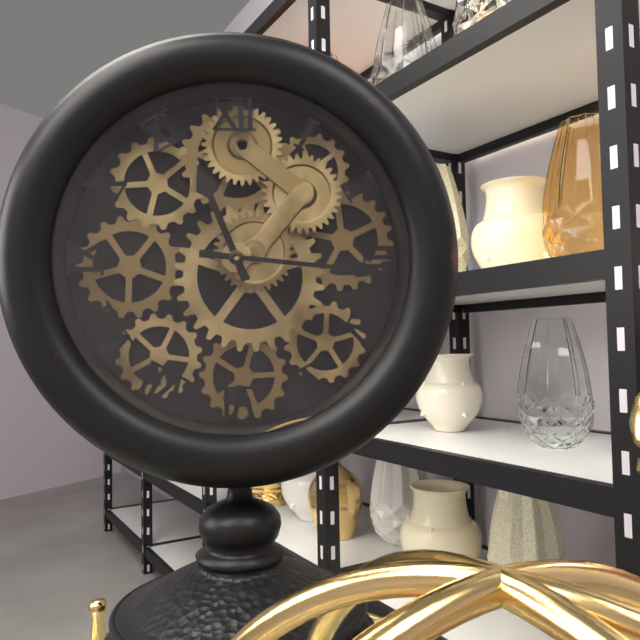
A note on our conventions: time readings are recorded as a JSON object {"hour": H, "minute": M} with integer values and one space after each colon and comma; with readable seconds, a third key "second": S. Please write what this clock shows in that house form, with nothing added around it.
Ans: {"hour": 11, "minute": 16}
